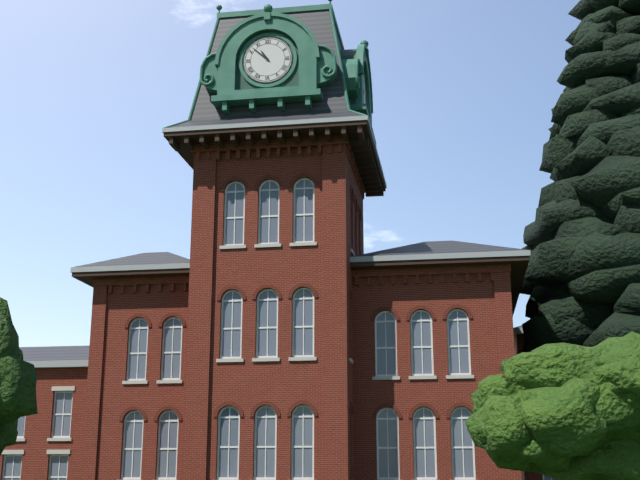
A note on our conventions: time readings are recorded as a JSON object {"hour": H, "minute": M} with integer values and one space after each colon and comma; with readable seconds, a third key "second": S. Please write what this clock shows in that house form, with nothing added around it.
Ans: {"hour": 10, "minute": 52}
